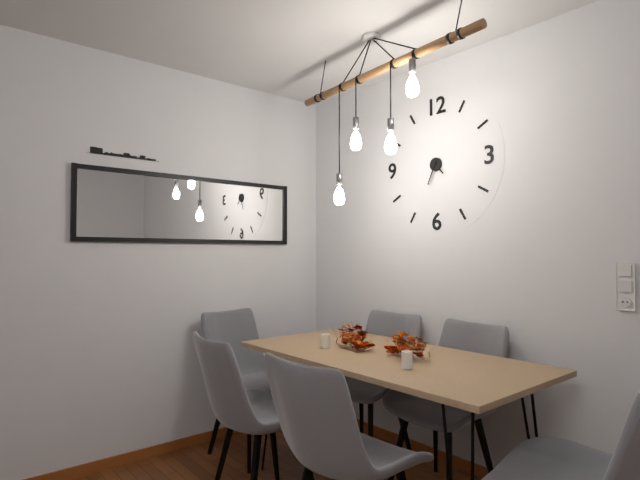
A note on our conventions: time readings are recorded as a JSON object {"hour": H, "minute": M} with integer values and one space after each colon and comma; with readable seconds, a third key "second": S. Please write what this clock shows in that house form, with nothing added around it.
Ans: {"hour": 4, "minute": 34}
